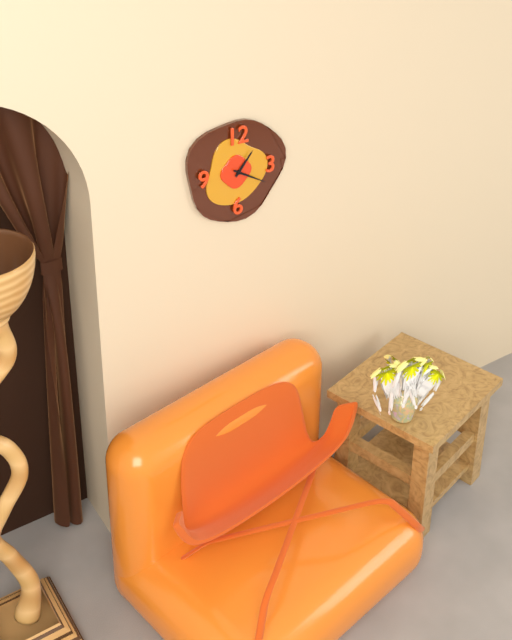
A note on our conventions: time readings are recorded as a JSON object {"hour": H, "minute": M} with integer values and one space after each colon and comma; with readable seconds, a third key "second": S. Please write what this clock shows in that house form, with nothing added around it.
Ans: {"hour": 1, "minute": 20}
